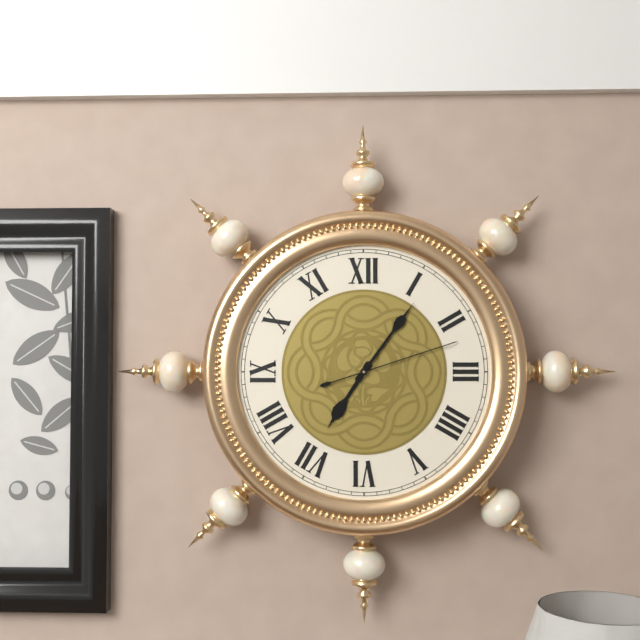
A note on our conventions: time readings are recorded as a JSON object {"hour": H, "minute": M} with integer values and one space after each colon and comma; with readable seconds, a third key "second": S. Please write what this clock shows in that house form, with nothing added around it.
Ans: {"hour": 7, "minute": 6, "second": 12}
